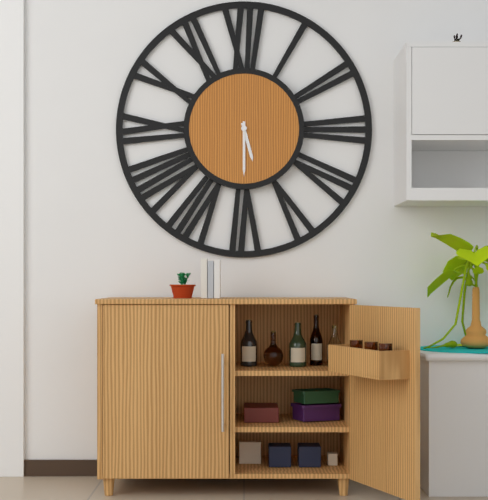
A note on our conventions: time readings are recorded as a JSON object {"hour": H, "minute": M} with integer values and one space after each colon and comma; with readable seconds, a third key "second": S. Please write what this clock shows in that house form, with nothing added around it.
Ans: {"hour": 5, "minute": 30}
